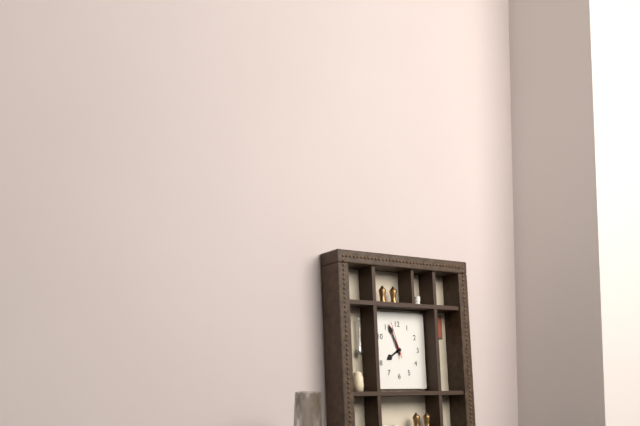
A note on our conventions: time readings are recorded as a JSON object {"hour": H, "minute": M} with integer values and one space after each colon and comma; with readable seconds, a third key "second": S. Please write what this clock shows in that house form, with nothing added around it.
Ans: {"hour": 7, "minute": 56}
